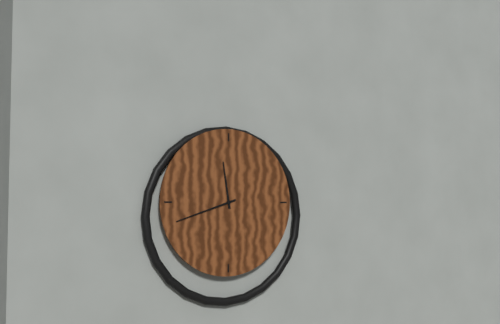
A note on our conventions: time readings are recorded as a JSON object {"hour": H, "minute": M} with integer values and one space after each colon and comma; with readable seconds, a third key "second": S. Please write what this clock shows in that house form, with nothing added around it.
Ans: {"hour": 11, "minute": 42}
